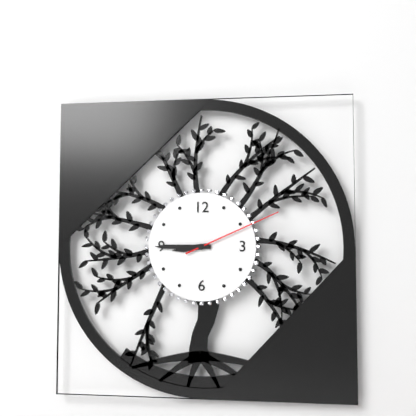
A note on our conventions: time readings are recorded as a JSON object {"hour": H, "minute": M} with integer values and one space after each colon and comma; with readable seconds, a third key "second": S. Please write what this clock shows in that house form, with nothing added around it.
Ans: {"hour": 8, "minute": 45, "second": 11}
